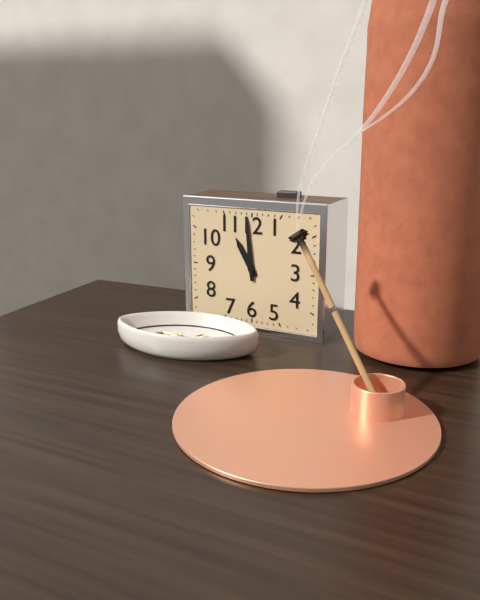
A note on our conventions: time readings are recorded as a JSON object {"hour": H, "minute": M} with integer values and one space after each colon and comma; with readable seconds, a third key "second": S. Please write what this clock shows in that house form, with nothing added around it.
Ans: {"hour": 10, "minute": 59}
